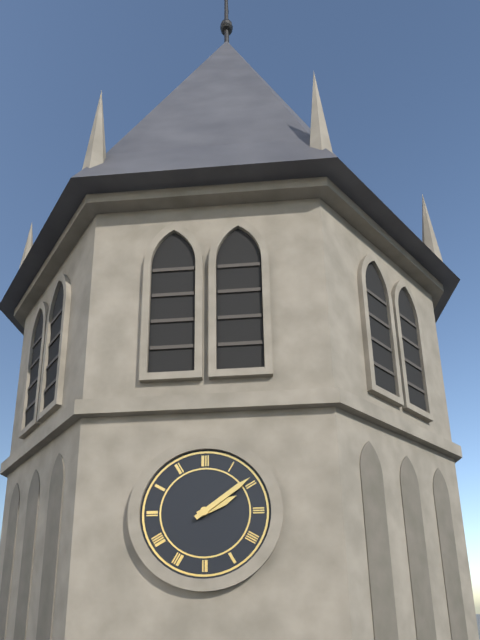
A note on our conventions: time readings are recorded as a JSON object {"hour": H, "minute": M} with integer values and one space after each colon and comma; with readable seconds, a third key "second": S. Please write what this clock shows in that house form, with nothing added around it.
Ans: {"hour": 2, "minute": 9}
